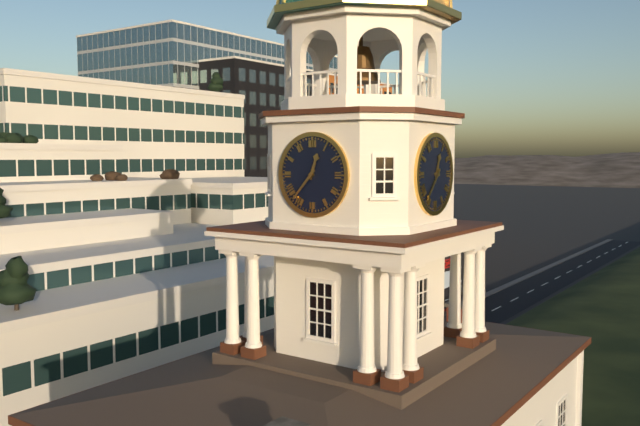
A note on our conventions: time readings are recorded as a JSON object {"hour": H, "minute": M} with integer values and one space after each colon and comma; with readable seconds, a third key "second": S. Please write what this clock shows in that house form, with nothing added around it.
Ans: {"hour": 12, "minute": 37}
